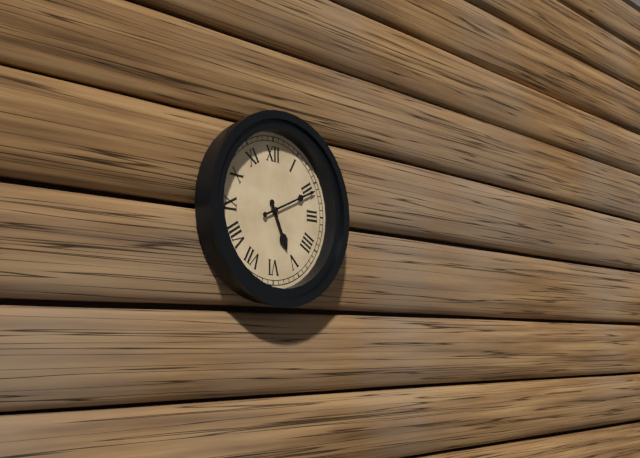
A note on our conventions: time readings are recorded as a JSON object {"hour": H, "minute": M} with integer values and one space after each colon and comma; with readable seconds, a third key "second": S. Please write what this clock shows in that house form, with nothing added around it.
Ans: {"hour": 5, "minute": 11}
